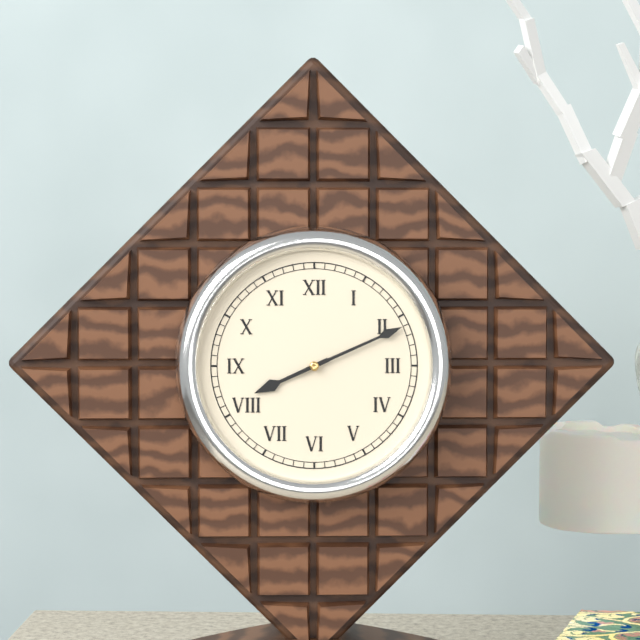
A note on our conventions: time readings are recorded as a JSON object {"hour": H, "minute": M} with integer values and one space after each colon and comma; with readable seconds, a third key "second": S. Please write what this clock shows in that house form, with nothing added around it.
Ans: {"hour": 8, "minute": 11}
